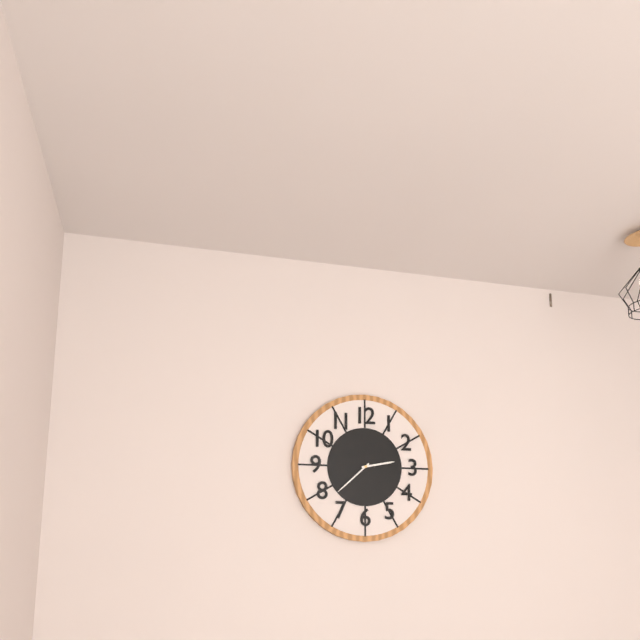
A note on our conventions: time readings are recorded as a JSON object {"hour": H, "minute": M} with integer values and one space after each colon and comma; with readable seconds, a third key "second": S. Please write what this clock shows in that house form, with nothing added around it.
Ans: {"hour": 2, "minute": 38}
